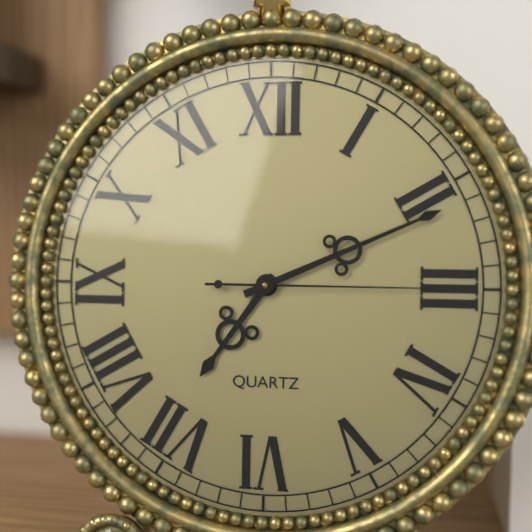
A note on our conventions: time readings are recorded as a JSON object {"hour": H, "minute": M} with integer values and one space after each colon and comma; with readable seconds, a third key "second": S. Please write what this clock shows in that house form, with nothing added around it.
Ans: {"hour": 7, "minute": 11, "second": 15}
